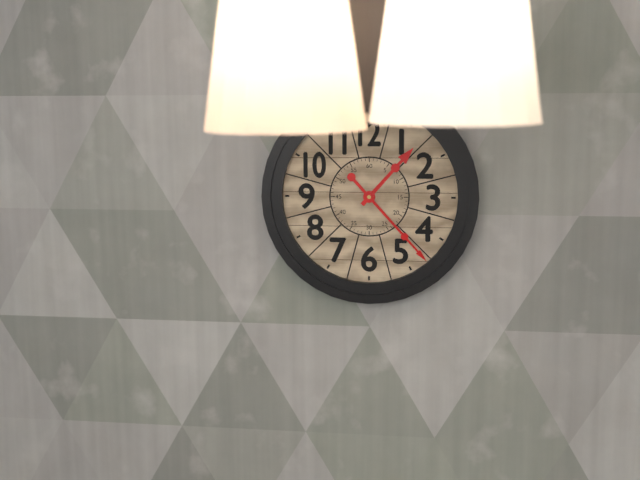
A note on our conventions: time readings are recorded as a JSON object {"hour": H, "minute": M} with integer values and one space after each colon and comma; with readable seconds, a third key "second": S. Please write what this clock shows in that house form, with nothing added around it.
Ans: {"hour": 1, "minute": 23}
